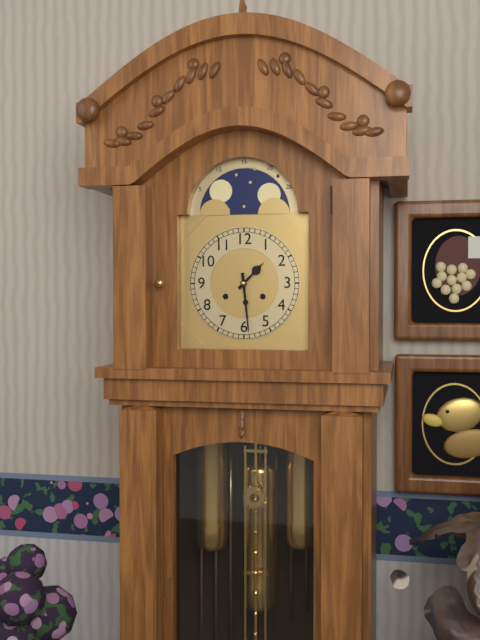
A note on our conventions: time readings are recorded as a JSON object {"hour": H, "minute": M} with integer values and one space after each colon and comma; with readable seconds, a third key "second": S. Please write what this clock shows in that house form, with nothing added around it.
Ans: {"hour": 1, "minute": 29}
